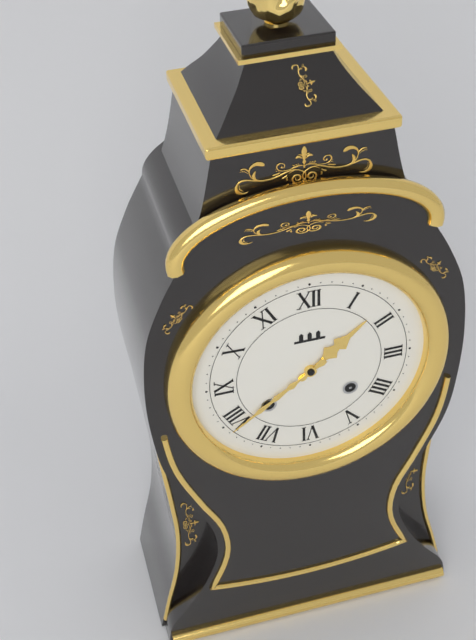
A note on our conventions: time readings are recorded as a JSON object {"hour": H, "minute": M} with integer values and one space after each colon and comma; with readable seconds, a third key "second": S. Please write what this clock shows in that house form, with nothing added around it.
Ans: {"hour": 1, "minute": 39}
